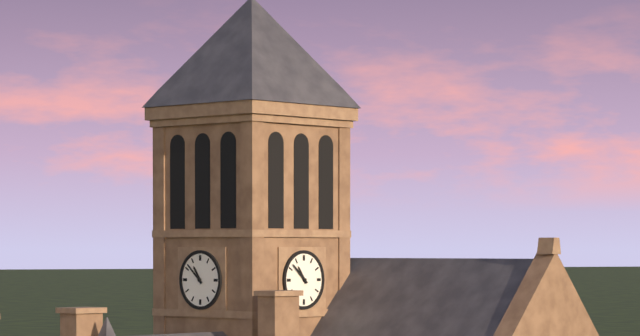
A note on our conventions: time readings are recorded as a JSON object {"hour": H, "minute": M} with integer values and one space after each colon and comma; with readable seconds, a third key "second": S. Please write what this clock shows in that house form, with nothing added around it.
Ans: {"hour": 10, "minute": 52}
